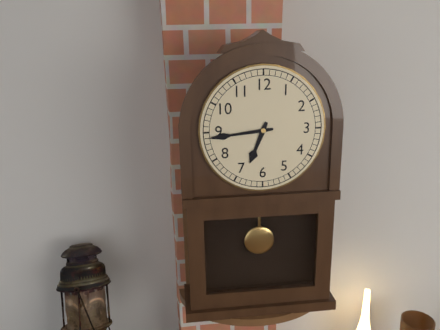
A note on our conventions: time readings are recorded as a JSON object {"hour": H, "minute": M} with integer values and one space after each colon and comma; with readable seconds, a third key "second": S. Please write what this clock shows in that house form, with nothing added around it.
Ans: {"hour": 6, "minute": 44}
